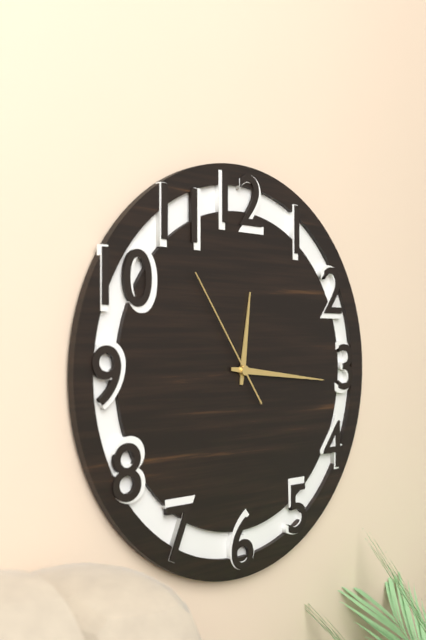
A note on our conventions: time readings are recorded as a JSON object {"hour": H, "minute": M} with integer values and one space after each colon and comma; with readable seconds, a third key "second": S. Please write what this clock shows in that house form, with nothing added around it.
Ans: {"hour": 12, "minute": 16, "second": 54}
